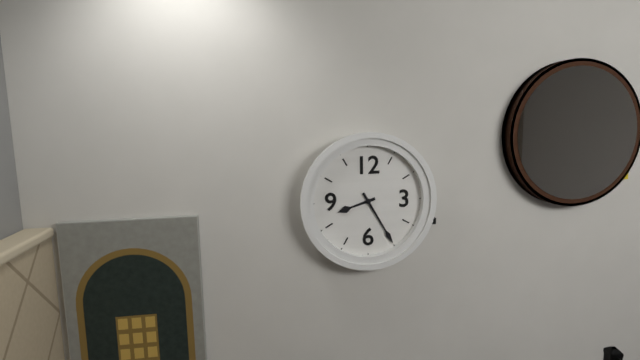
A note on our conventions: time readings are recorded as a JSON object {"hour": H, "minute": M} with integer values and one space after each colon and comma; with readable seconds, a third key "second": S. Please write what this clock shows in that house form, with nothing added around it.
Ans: {"hour": 8, "minute": 25}
